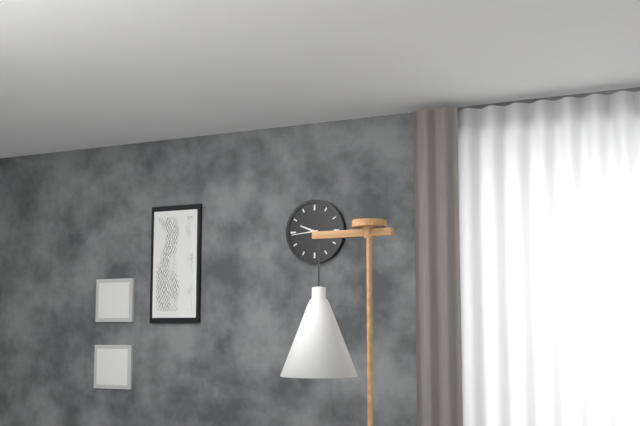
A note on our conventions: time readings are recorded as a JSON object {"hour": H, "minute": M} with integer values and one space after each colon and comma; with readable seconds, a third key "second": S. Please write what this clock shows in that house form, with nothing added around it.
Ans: {"hour": 9, "minute": 44}
